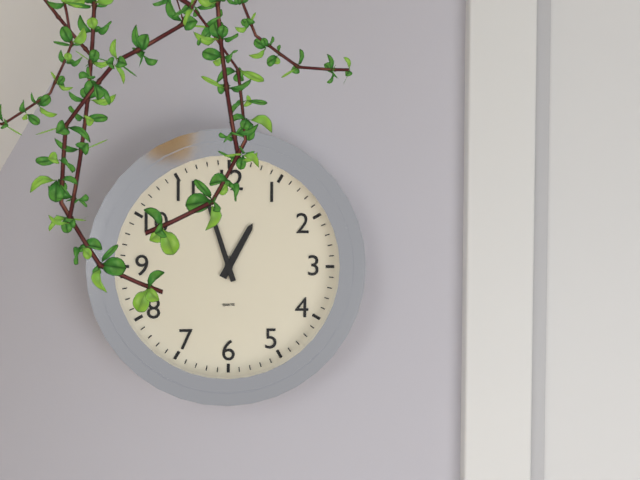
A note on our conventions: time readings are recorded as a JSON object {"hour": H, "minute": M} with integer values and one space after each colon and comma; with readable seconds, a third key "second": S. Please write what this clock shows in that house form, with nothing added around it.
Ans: {"hour": 12, "minute": 57}
